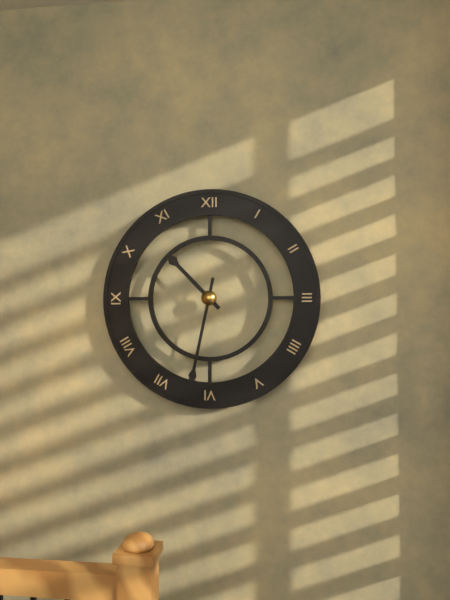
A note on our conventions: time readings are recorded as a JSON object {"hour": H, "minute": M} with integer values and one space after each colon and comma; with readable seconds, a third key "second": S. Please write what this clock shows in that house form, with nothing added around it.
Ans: {"hour": 10, "minute": 32}
